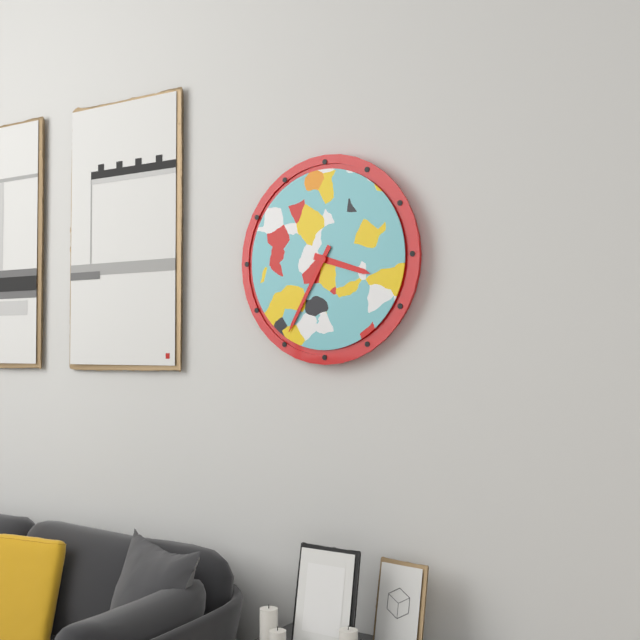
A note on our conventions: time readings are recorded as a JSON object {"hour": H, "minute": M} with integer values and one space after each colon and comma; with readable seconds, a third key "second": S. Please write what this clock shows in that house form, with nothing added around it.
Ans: {"hour": 3, "minute": 35}
